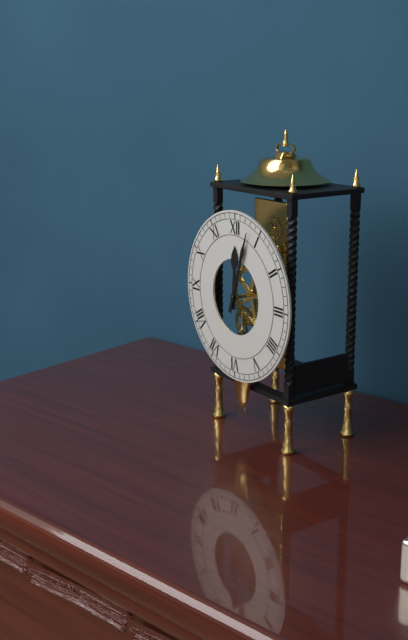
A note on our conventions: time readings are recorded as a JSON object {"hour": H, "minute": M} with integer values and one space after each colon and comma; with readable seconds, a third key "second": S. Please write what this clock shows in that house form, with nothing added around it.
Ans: {"hour": 12, "minute": 3}
